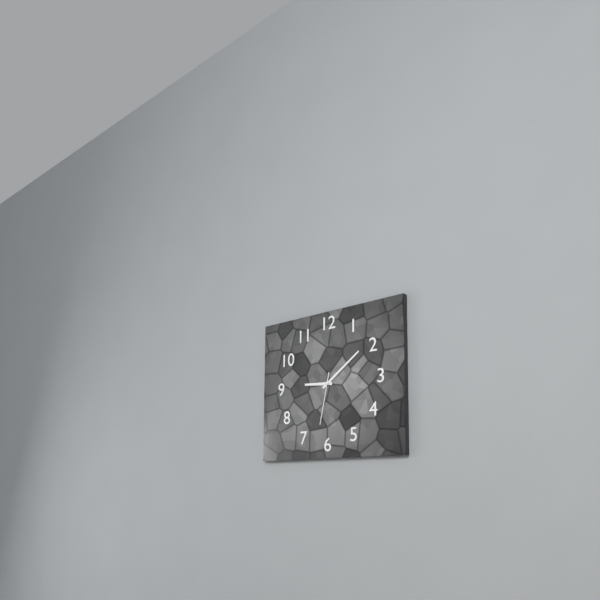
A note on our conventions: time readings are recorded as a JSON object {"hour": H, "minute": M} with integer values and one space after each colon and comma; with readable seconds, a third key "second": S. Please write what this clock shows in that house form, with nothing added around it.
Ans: {"hour": 9, "minute": 9, "second": 32}
